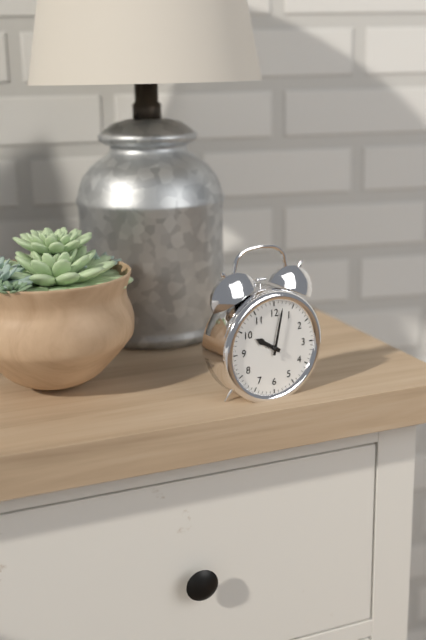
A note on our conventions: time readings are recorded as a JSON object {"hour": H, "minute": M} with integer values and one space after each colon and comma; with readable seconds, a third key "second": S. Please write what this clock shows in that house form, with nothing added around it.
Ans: {"hour": 10, "minute": 2}
